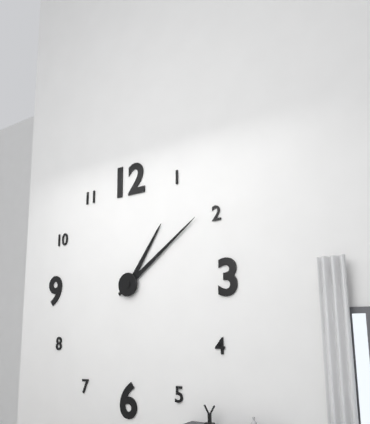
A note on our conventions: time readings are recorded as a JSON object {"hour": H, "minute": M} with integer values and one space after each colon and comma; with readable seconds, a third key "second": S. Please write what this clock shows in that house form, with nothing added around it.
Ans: {"hour": 1, "minute": 9}
